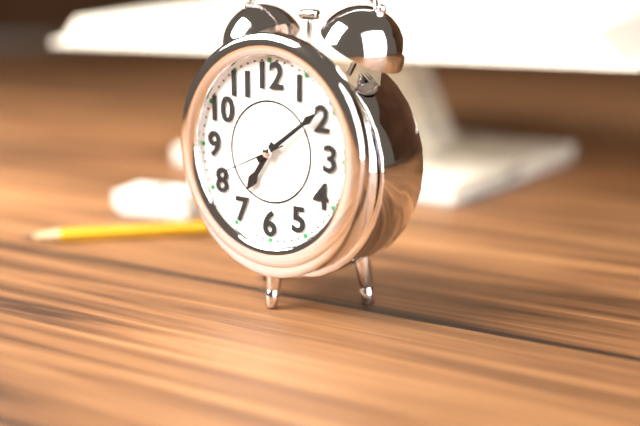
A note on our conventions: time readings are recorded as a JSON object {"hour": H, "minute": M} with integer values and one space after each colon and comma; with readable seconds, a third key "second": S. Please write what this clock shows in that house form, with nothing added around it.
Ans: {"hour": 7, "minute": 9, "second": 41}
